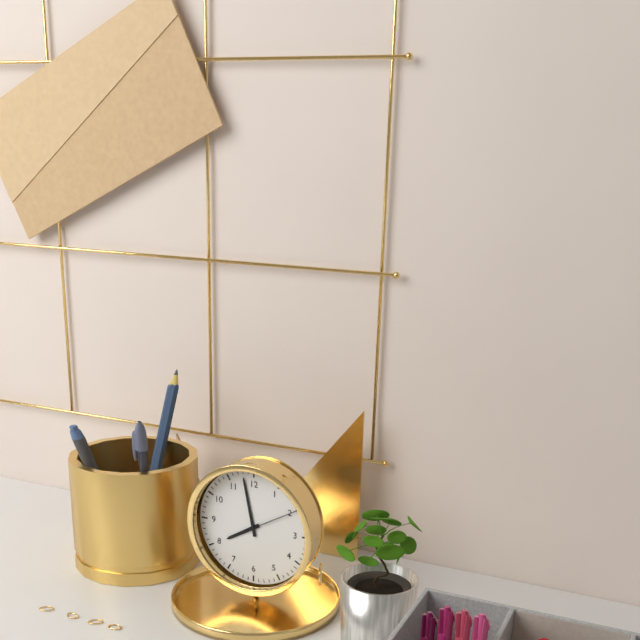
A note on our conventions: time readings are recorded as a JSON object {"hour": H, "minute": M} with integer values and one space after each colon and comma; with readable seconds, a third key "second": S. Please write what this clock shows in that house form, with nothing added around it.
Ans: {"hour": 7, "minute": 58, "second": 10}
